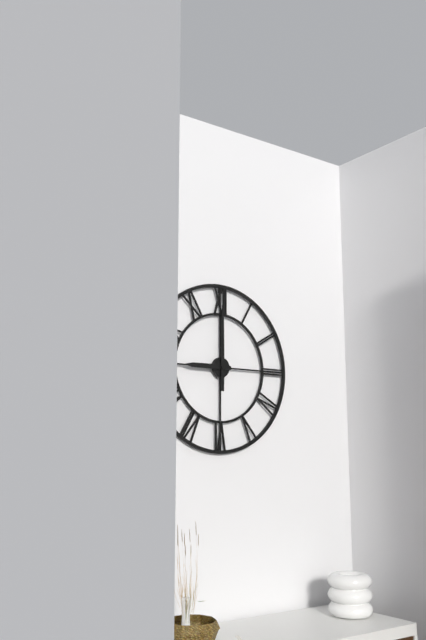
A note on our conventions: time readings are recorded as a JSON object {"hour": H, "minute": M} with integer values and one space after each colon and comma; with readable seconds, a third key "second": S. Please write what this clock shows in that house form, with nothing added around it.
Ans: {"hour": 9, "minute": 0}
